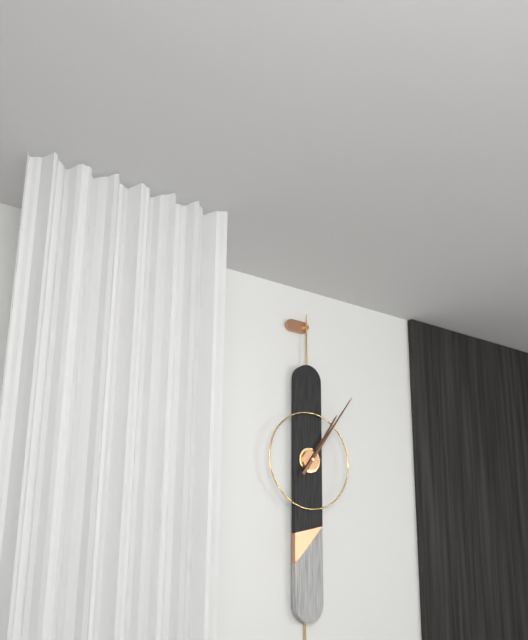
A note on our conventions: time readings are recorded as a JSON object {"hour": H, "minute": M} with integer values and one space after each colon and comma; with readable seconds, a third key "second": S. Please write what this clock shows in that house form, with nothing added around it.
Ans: {"hour": 1, "minute": 6}
